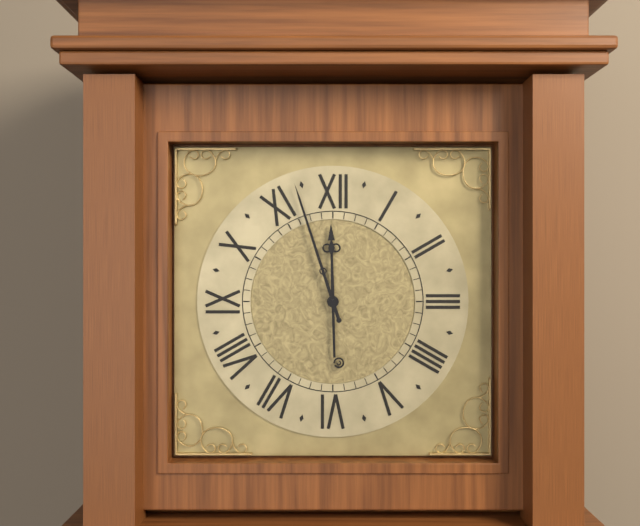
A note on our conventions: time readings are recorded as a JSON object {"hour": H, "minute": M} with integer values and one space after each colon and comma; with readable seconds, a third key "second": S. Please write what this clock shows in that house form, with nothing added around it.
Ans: {"hour": 11, "minute": 57}
